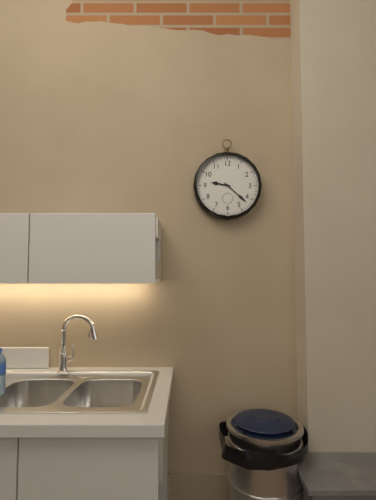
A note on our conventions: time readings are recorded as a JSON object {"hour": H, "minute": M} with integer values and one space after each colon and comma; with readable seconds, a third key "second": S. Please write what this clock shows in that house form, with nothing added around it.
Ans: {"hour": 9, "minute": 22}
